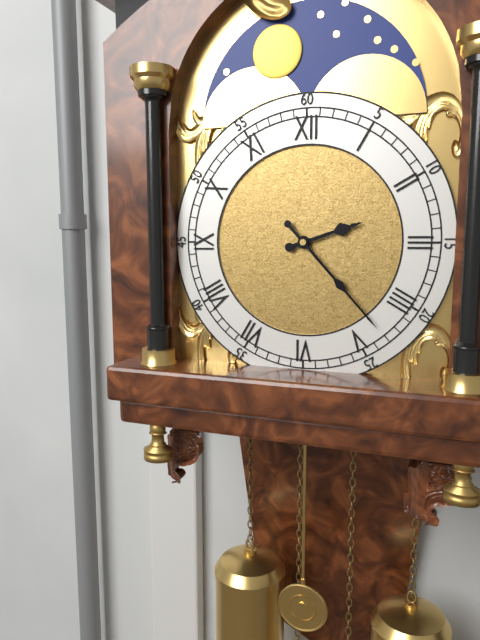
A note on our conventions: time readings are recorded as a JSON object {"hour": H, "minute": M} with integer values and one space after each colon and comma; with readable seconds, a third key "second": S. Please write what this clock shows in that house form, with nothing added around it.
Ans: {"hour": 2, "minute": 23}
